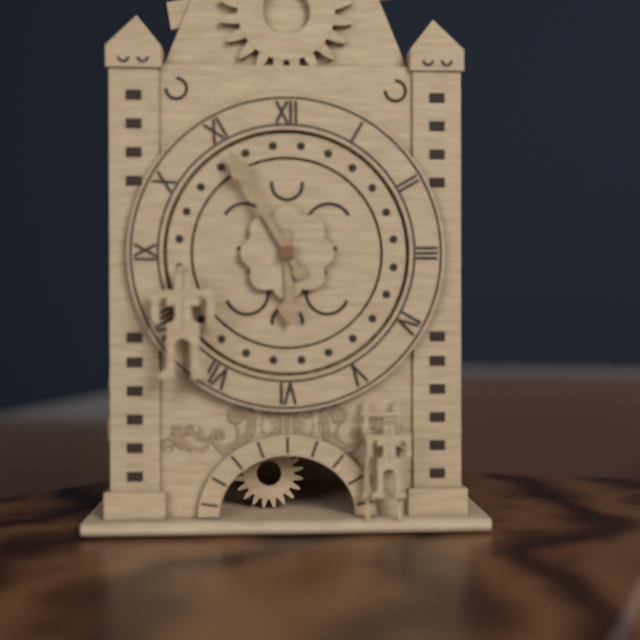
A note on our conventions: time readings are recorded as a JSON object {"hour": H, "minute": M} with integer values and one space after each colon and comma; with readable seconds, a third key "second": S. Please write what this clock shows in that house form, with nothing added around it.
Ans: {"hour": 5, "minute": 55}
